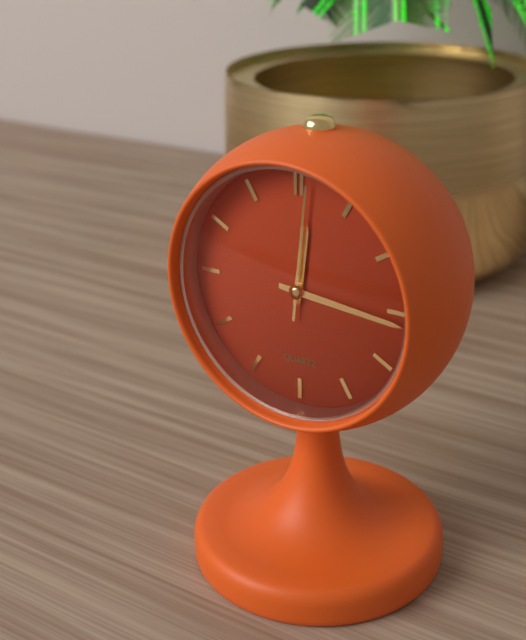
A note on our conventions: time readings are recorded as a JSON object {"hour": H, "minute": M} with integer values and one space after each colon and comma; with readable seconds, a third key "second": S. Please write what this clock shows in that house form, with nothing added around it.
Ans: {"hour": 12, "minute": 16, "second": 1}
